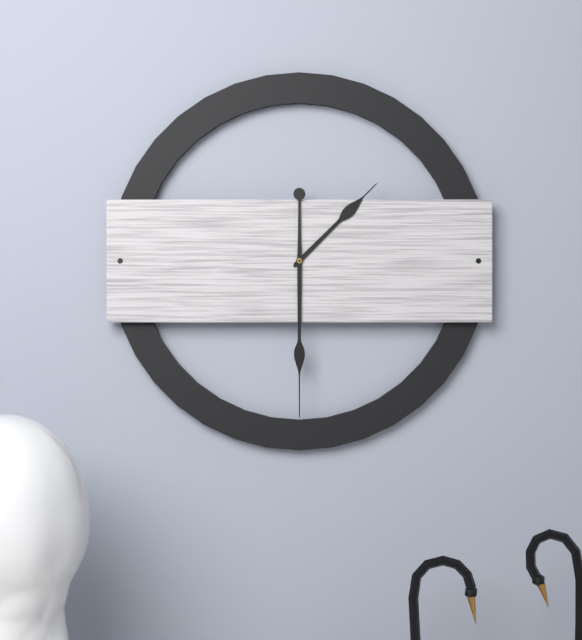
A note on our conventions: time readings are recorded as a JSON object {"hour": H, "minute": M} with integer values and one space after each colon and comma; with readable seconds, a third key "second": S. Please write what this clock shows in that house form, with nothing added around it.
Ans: {"hour": 1, "minute": 30}
